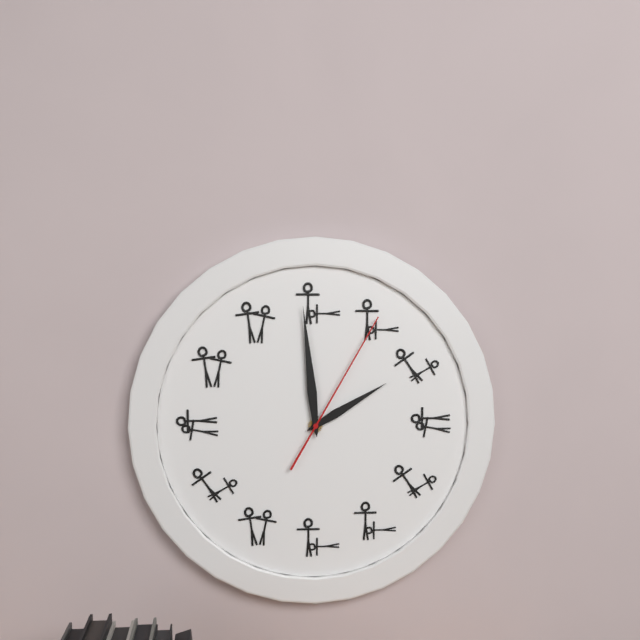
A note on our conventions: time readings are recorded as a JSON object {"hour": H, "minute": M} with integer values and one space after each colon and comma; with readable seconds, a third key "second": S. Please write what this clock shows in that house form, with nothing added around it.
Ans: {"hour": 1, "minute": 59, "second": 5}
